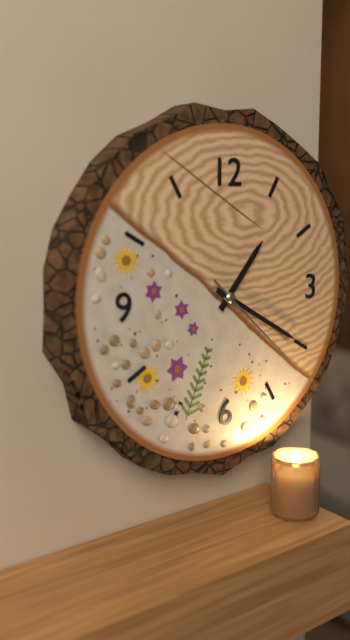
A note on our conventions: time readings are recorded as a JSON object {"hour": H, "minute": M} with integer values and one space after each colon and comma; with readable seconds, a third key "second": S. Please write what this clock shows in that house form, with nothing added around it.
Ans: {"hour": 1, "minute": 20, "second": 22}
